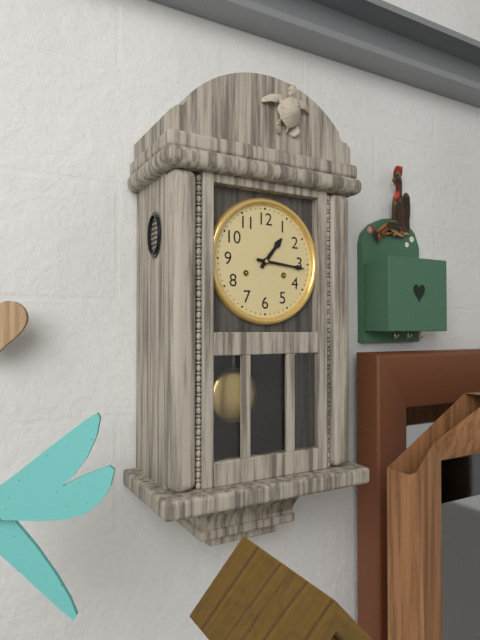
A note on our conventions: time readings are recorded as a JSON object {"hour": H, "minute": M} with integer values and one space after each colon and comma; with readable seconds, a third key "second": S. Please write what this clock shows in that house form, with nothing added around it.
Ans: {"hour": 1, "minute": 16}
